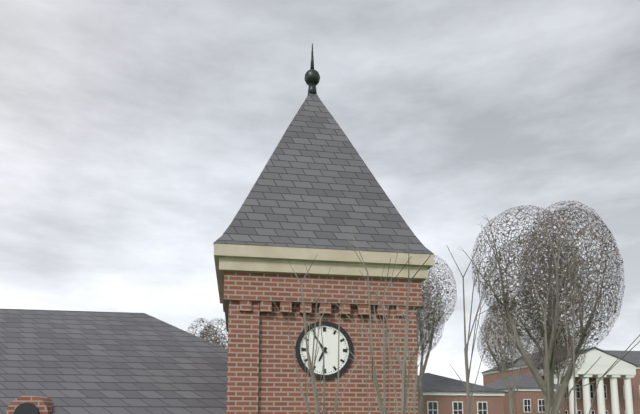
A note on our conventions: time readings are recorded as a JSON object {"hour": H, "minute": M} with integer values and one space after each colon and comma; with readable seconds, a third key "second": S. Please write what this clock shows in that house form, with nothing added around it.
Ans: {"hour": 6, "minute": 54}
